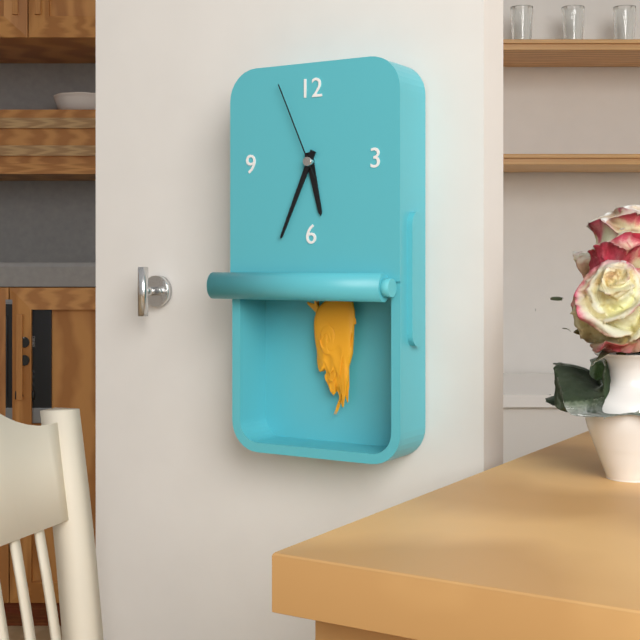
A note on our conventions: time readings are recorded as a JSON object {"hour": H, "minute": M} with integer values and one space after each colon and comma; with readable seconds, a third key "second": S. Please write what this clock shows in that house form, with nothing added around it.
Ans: {"hour": 5, "minute": 34, "second": 56}
